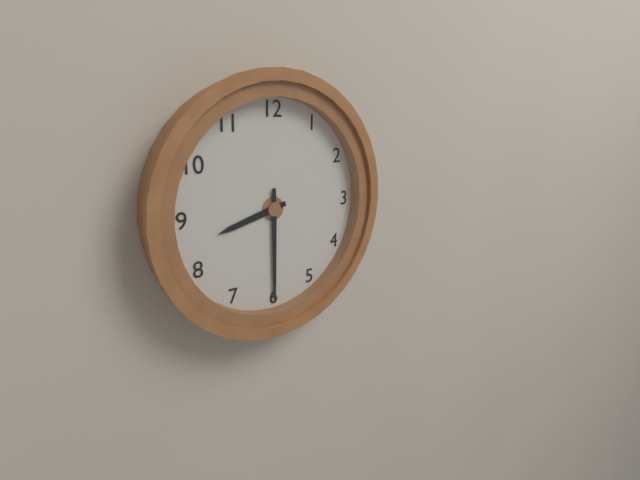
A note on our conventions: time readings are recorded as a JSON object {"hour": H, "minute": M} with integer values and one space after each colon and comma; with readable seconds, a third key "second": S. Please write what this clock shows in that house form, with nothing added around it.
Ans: {"hour": 8, "minute": 30}
